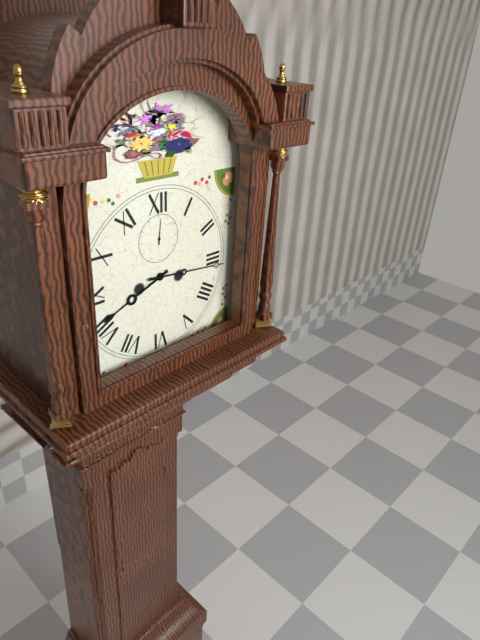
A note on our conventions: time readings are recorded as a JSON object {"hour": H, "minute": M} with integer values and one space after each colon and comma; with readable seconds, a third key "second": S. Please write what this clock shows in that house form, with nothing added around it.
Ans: {"hour": 8, "minute": 16}
